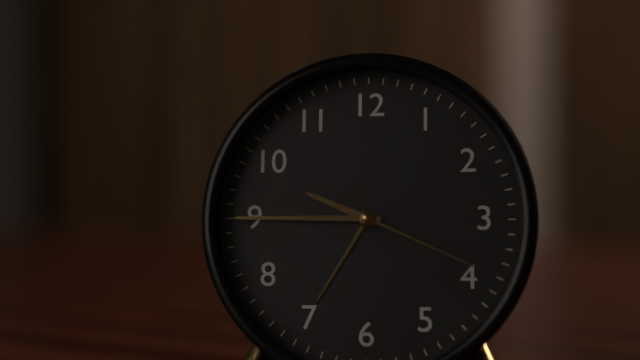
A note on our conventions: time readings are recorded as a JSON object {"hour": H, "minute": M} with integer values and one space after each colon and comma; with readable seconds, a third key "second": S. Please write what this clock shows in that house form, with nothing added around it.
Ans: {"hour": 9, "minute": 45, "second": 19}
